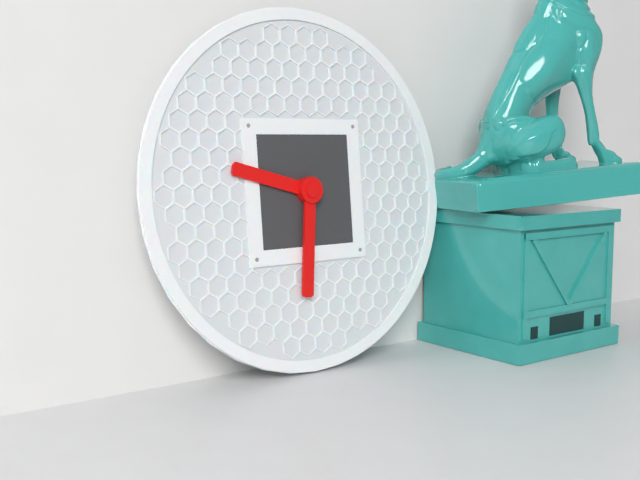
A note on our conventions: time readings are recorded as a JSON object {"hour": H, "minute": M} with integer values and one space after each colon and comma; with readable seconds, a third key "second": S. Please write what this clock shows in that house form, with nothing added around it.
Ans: {"hour": 9, "minute": 31}
